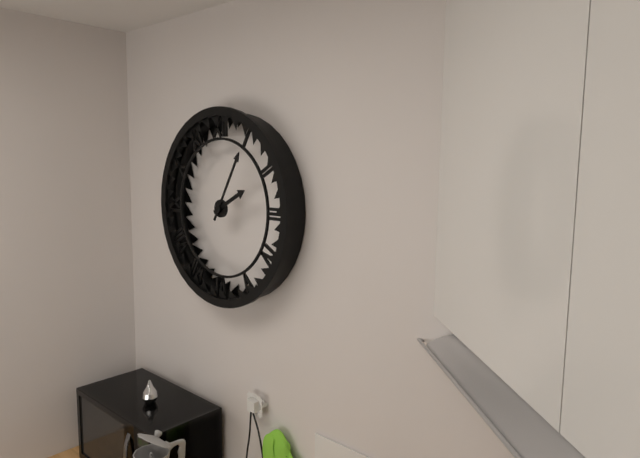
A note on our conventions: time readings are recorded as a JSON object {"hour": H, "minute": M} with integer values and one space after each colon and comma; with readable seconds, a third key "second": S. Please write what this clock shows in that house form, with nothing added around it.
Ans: {"hour": 2, "minute": 5}
